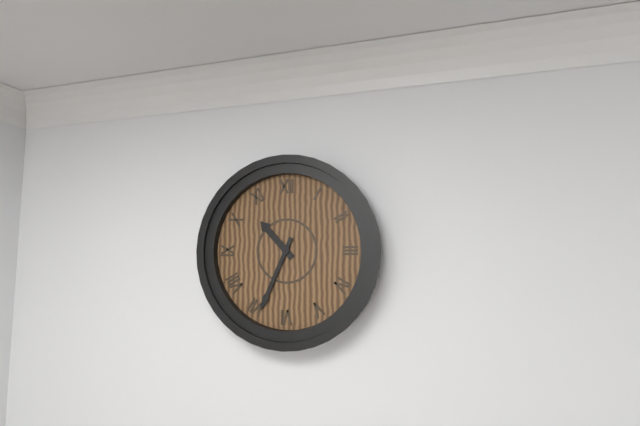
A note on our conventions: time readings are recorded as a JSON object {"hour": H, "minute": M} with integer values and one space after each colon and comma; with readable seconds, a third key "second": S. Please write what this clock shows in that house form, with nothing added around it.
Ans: {"hour": 10, "minute": 34}
